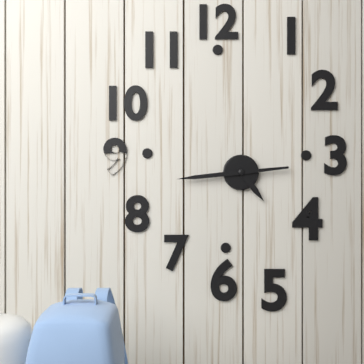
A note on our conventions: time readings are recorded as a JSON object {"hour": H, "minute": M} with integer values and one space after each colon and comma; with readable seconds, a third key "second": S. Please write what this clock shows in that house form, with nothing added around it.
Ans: {"hour": 4, "minute": 44}
